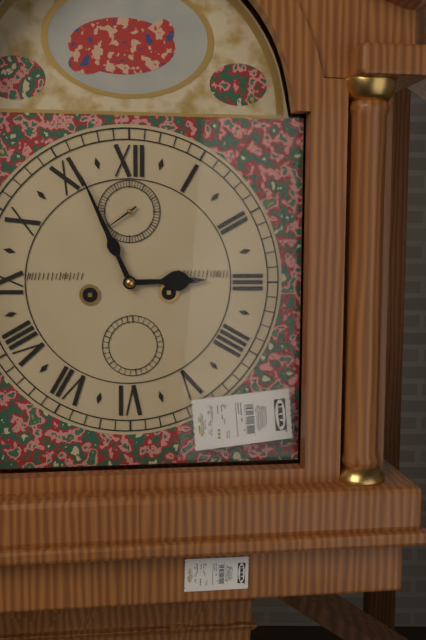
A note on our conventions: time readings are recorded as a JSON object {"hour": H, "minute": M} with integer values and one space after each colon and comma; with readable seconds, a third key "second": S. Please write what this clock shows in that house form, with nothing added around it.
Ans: {"hour": 2, "minute": 56}
